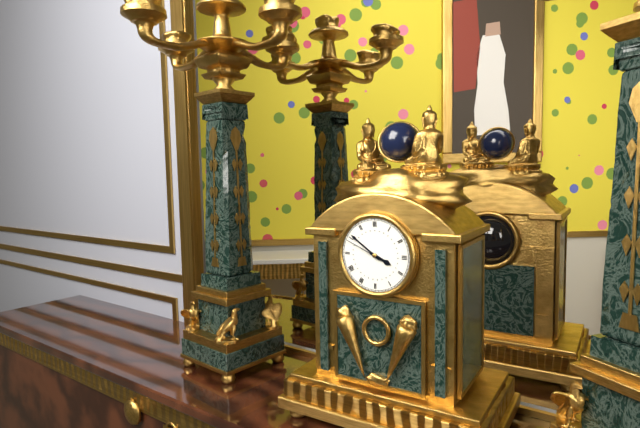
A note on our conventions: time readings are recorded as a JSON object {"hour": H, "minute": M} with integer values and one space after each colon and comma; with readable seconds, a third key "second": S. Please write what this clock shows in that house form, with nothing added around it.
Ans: {"hour": 3, "minute": 51}
